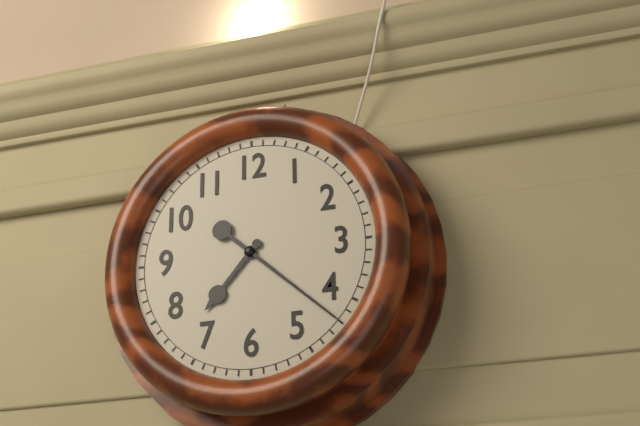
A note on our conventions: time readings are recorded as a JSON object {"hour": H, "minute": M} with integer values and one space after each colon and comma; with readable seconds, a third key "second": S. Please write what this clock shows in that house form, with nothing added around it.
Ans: {"hour": 7, "minute": 22}
